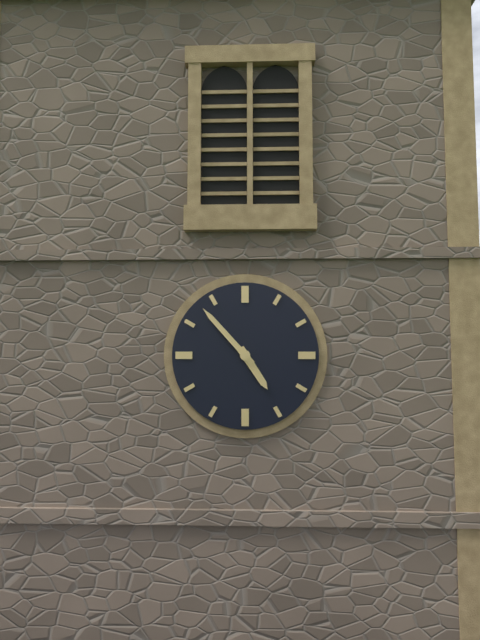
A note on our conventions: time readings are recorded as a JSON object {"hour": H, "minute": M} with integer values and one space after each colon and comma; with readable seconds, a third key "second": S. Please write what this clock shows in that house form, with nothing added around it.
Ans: {"hour": 4, "minute": 53}
